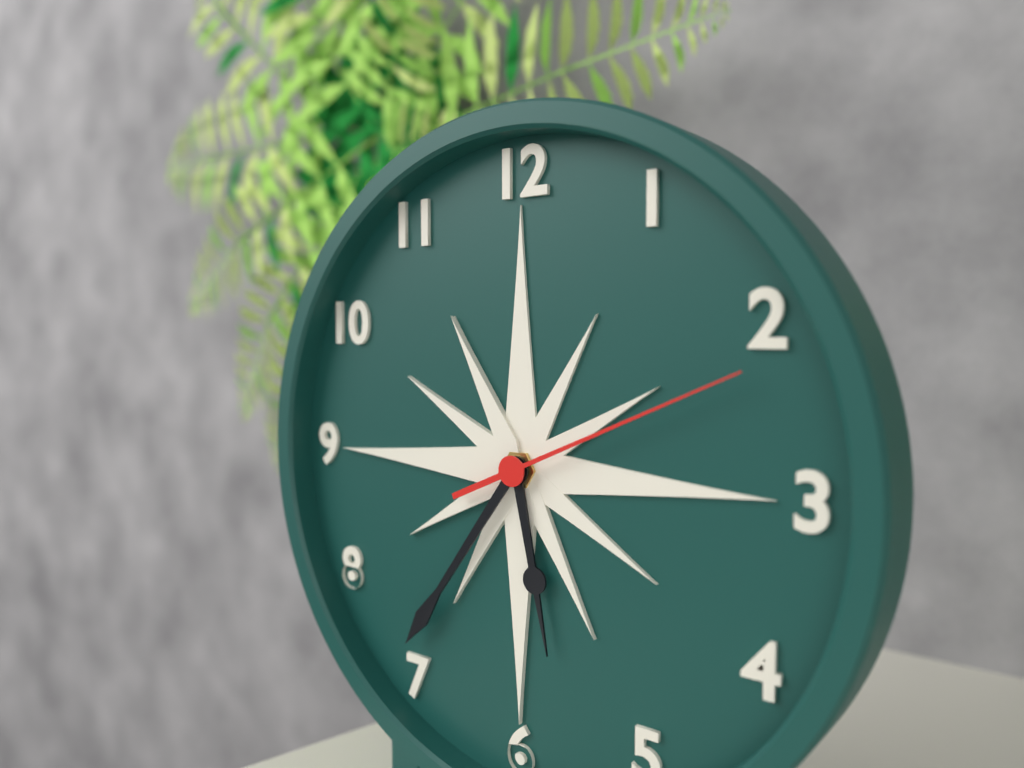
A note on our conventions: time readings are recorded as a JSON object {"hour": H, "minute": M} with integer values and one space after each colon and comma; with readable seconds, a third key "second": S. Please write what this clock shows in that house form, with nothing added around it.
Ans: {"hour": 5, "minute": 36, "second": 11}
